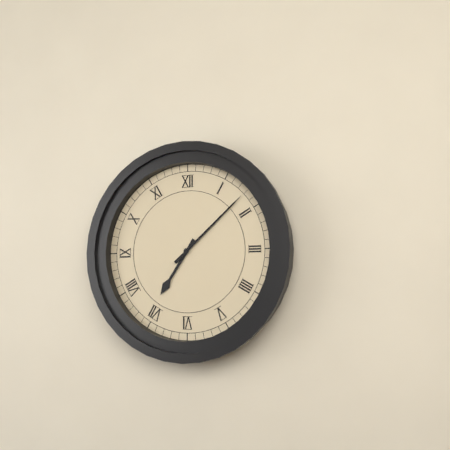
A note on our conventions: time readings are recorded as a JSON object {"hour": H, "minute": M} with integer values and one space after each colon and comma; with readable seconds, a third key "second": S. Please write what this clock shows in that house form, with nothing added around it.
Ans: {"hour": 7, "minute": 8}
